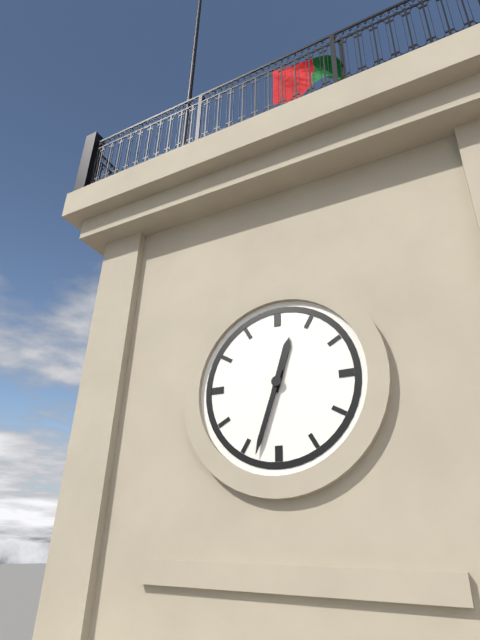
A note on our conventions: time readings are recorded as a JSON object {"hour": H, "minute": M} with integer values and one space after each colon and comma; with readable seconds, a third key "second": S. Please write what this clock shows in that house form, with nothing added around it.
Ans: {"hour": 12, "minute": 33}
